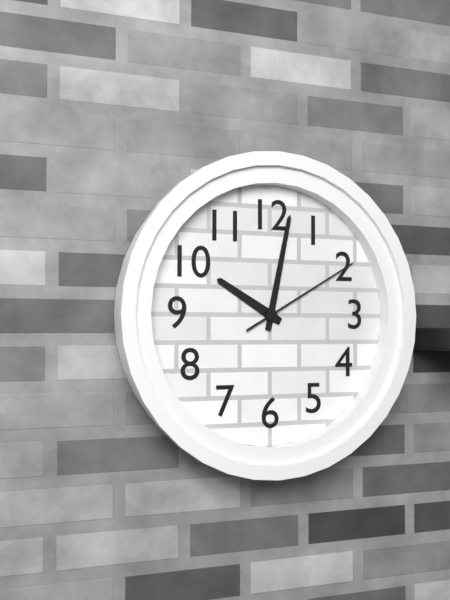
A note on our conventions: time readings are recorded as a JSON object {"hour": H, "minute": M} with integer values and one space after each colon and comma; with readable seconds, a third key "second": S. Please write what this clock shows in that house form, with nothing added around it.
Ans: {"hour": 10, "minute": 2, "second": 10}
